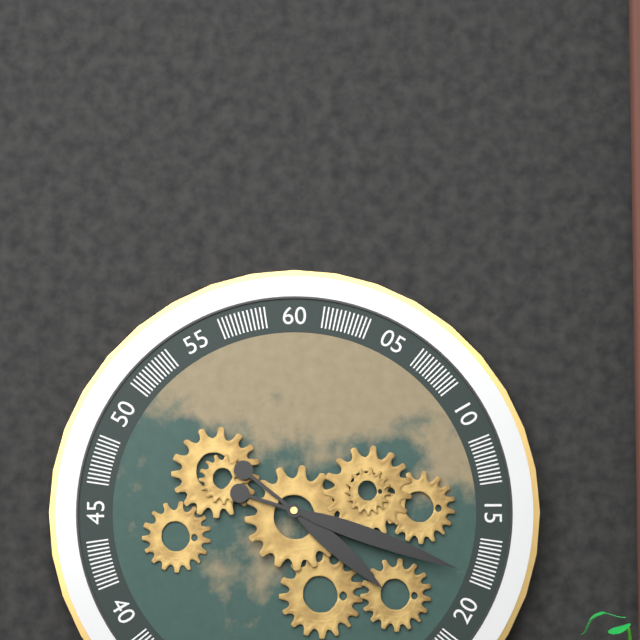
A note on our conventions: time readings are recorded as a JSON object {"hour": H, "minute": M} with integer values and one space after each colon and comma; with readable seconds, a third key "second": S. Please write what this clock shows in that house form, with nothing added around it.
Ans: {"hour": 4, "minute": 18}
